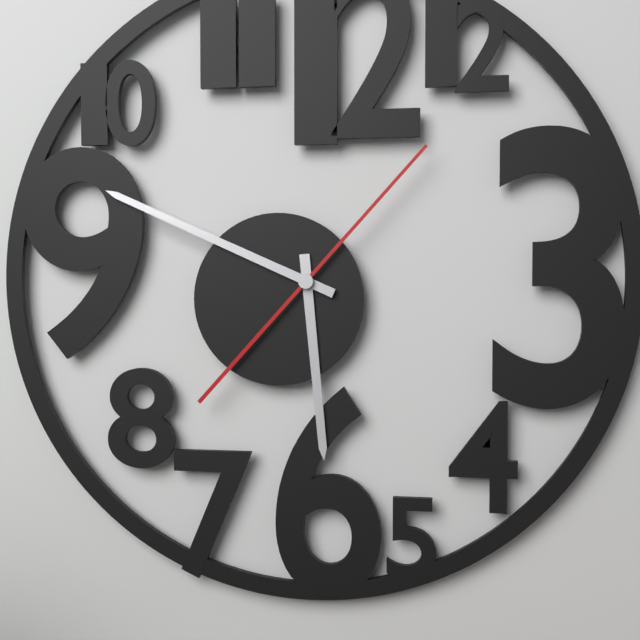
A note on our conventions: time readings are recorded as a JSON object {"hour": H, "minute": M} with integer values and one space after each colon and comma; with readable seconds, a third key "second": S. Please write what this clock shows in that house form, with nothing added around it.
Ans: {"hour": 5, "minute": 49, "second": 7}
